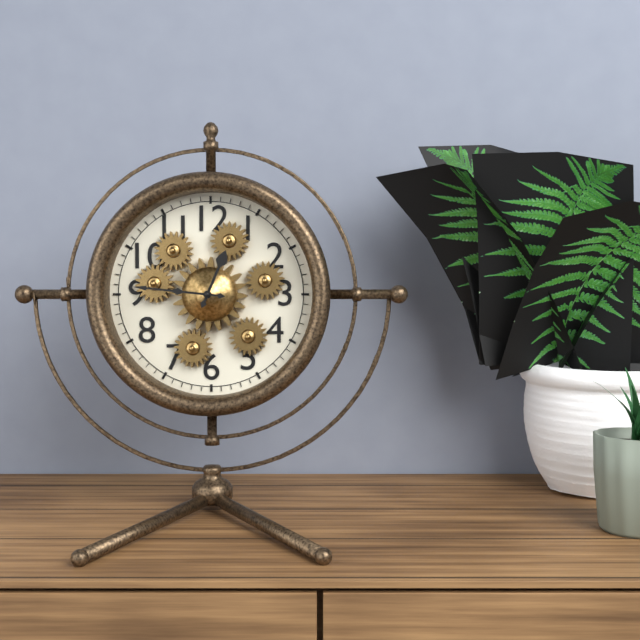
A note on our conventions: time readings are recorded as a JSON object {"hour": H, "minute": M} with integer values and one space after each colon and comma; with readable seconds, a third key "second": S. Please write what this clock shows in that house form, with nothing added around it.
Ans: {"hour": 12, "minute": 46}
